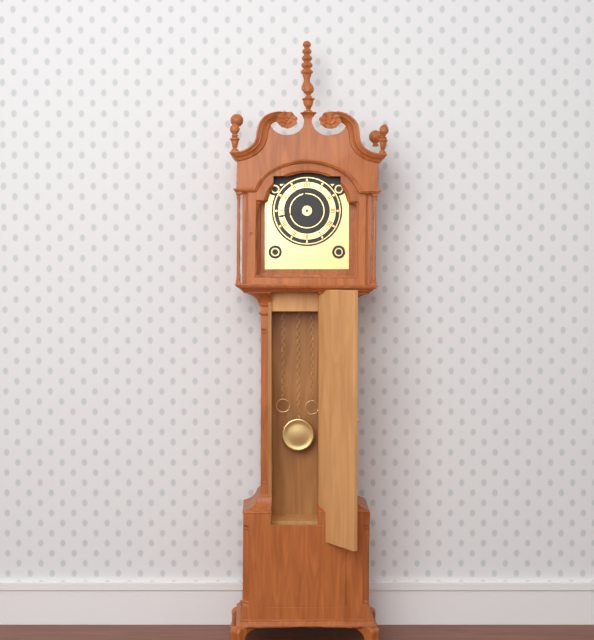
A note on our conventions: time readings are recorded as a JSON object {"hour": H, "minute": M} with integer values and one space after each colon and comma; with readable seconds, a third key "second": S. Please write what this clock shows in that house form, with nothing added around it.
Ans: {"hour": 11, "minute": 43}
